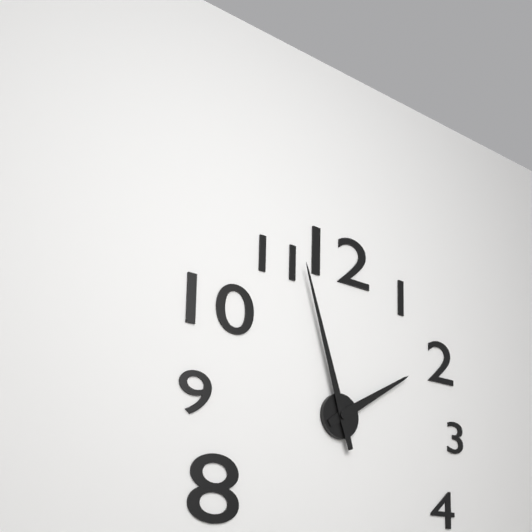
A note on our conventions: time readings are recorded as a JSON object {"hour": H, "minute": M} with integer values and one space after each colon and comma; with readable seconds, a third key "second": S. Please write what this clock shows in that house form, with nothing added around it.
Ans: {"hour": 1, "minute": 57}
